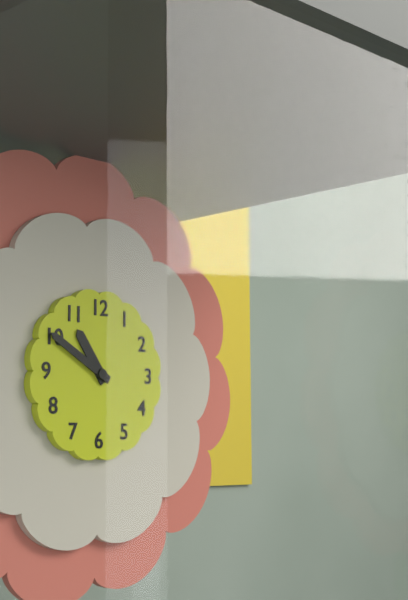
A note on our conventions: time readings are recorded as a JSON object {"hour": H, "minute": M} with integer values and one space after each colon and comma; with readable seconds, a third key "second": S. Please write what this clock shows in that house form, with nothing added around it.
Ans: {"hour": 10, "minute": 50}
